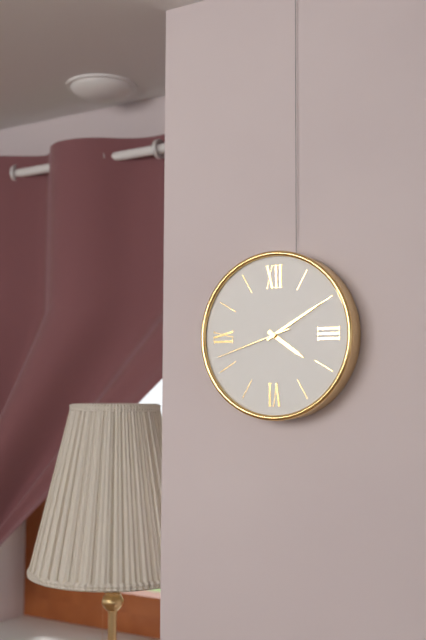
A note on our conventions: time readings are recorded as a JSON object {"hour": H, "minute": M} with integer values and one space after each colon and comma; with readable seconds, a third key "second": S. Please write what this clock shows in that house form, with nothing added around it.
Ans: {"hour": 4, "minute": 10, "second": 42}
